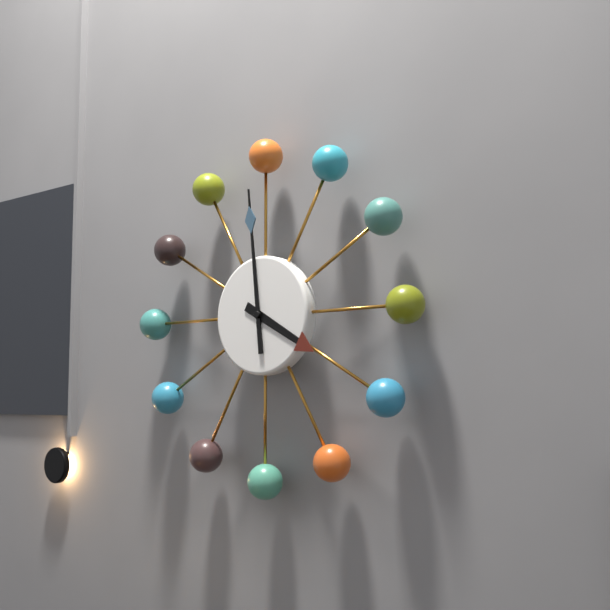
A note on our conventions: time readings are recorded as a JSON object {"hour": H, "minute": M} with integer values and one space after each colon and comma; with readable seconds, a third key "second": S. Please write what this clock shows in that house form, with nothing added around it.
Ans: {"hour": 3, "minute": 59}
